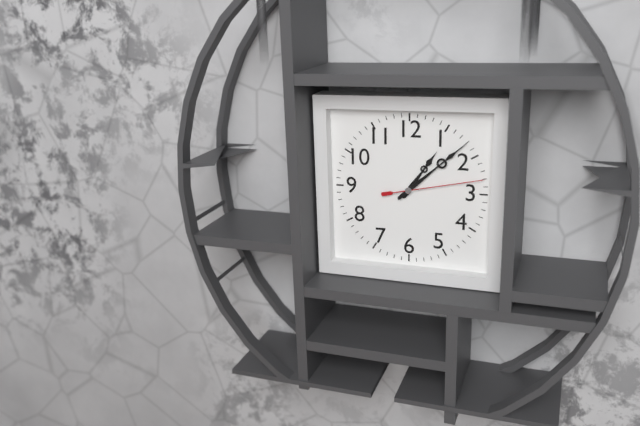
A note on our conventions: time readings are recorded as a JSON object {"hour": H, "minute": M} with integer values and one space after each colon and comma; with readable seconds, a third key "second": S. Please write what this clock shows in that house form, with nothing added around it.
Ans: {"hour": 1, "minute": 8, "second": 13}
